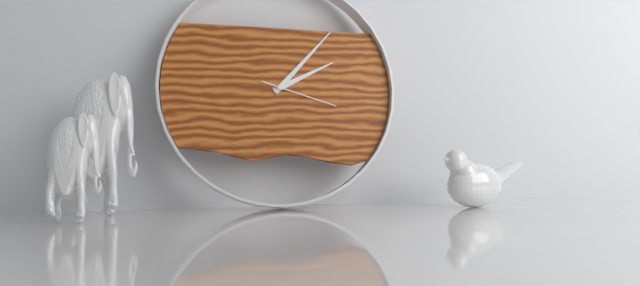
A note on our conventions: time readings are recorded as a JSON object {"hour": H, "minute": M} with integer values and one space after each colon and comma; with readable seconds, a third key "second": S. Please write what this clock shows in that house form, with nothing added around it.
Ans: {"hour": 2, "minute": 7, "second": 18}
